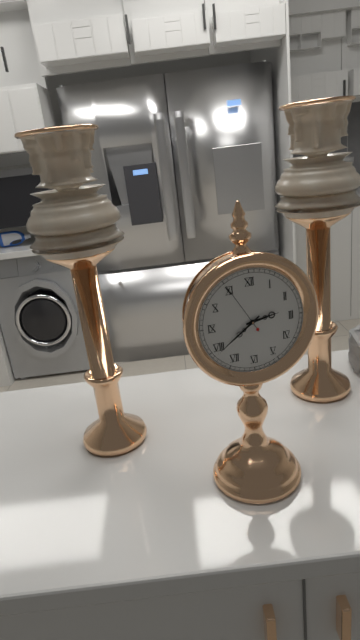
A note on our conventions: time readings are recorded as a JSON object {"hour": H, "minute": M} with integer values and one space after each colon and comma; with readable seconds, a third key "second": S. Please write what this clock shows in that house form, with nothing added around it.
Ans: {"hour": 2, "minute": 39}
